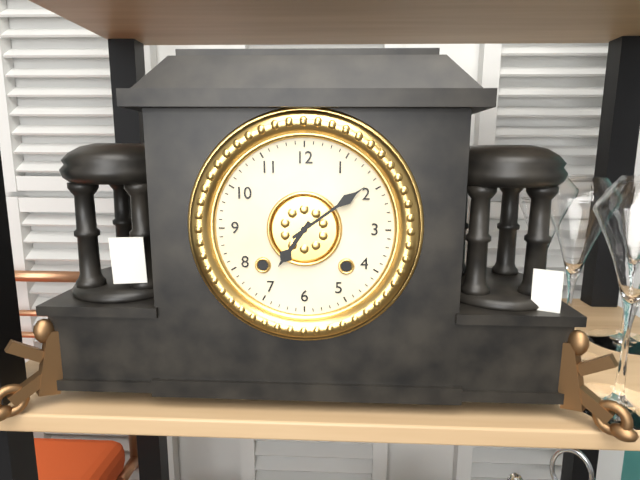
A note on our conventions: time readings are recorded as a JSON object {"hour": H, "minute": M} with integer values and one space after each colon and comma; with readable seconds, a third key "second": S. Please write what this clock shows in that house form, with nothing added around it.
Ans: {"hour": 7, "minute": 9}
